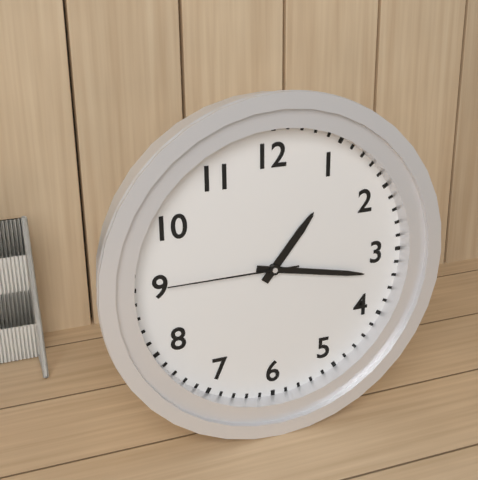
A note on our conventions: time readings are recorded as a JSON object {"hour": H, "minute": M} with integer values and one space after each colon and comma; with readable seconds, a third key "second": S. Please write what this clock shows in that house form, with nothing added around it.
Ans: {"hour": 1, "minute": 17, "second": 45}
